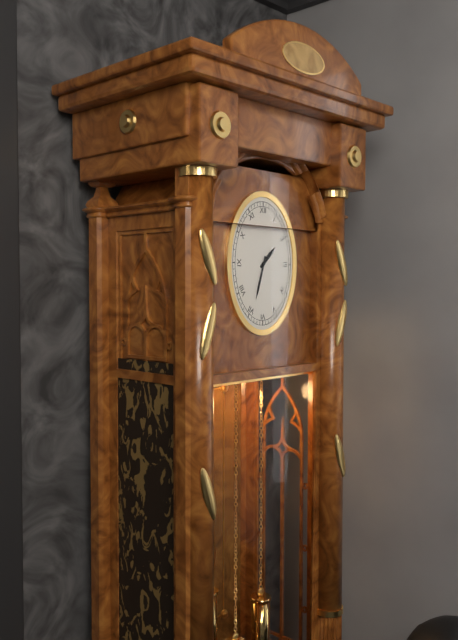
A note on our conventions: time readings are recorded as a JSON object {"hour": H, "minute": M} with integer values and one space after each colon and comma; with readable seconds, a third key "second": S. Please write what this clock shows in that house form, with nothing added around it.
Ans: {"hour": 1, "minute": 33}
